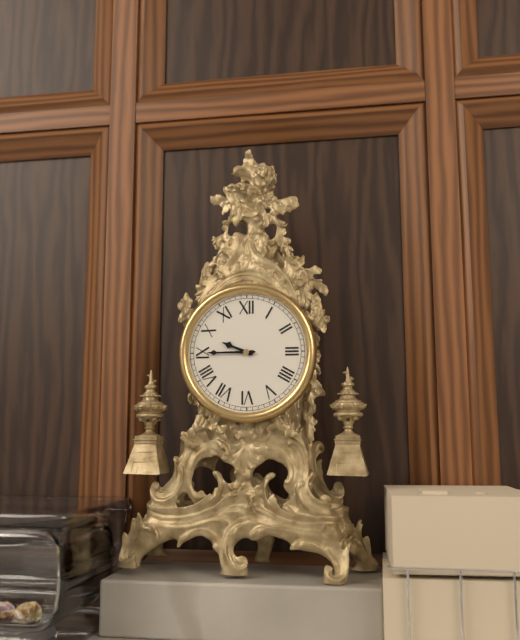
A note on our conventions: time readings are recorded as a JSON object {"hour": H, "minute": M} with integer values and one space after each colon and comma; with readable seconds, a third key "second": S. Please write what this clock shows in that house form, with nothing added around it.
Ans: {"hour": 9, "minute": 45}
